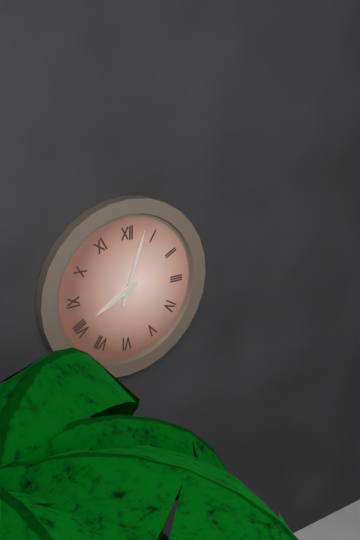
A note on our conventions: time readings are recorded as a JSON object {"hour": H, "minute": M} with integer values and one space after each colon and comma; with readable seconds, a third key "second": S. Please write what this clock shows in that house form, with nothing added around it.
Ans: {"hour": 8, "minute": 3}
